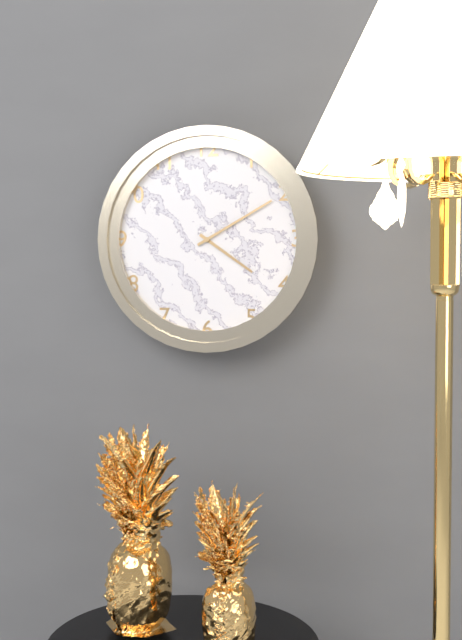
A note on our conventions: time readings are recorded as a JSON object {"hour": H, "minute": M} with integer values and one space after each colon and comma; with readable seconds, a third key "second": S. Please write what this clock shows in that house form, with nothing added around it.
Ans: {"hour": 4, "minute": 10}
